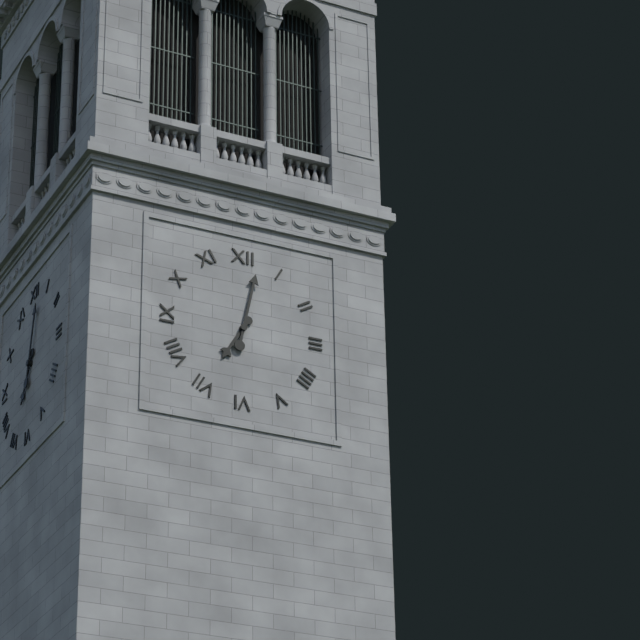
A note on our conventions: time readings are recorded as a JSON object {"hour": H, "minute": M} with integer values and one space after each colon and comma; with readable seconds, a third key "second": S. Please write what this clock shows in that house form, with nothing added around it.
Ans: {"hour": 7, "minute": 2}
